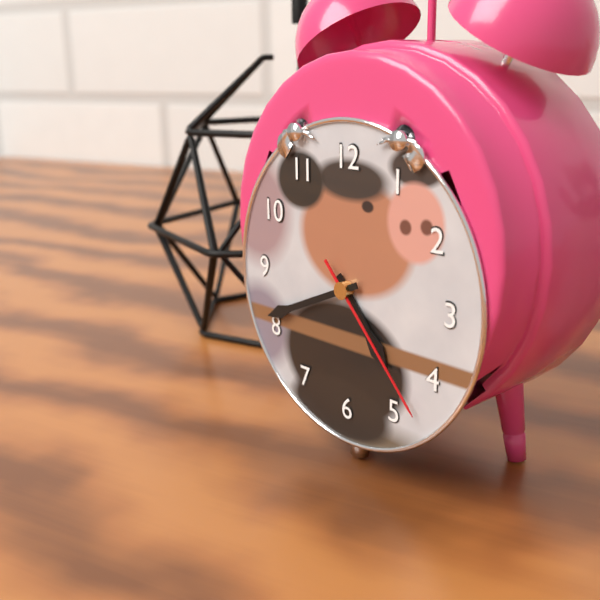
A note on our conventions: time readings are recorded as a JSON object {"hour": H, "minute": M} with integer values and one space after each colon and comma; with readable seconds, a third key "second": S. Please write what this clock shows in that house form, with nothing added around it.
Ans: {"hour": 4, "minute": 41, "second": 23}
